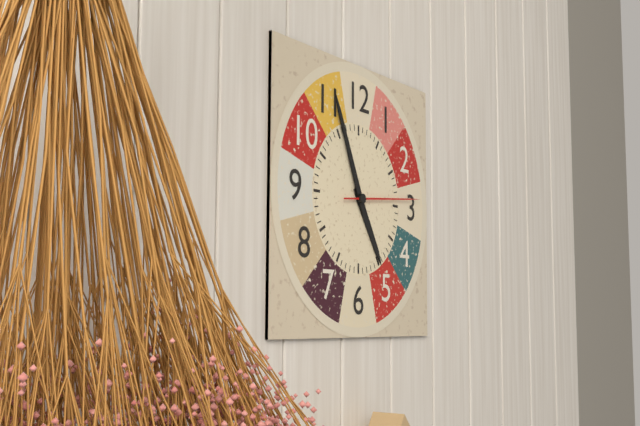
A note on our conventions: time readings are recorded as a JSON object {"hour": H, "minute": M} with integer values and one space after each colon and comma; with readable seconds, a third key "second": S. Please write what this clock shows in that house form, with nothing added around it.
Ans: {"hour": 4, "minute": 56, "second": 14}
